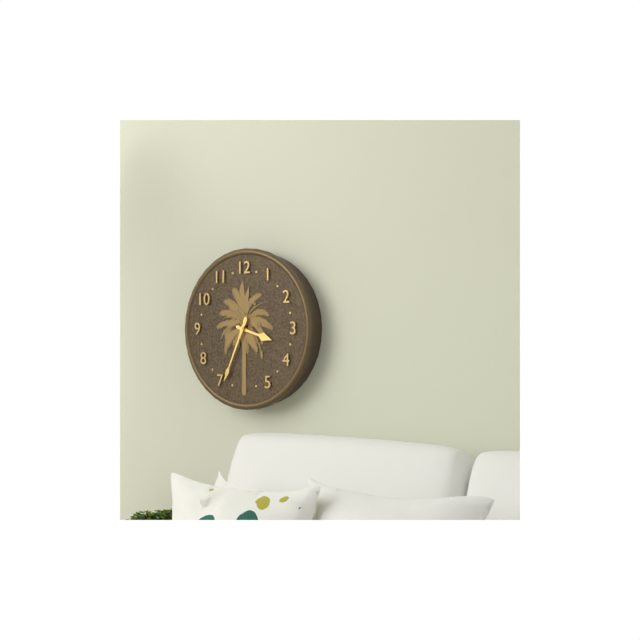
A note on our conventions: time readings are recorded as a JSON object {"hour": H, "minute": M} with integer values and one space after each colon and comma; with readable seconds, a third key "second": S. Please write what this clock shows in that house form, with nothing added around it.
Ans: {"hour": 3, "minute": 34}
